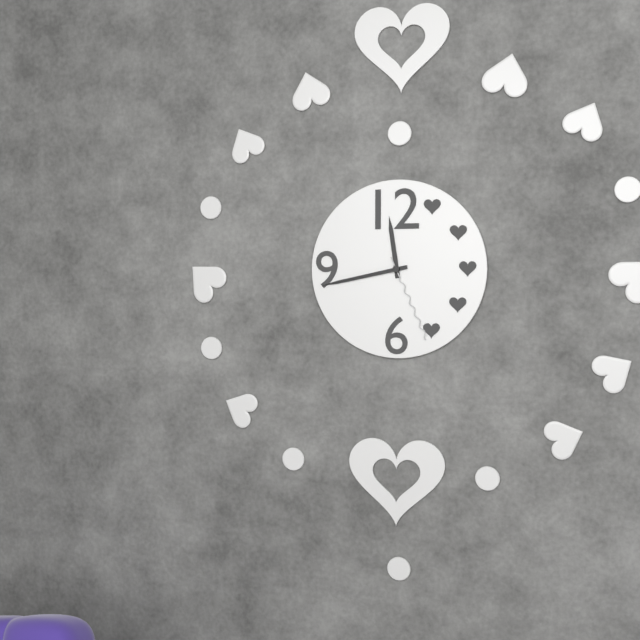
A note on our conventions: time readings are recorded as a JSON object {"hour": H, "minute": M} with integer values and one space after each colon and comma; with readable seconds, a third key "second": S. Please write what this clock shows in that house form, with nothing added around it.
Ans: {"hour": 11, "minute": 43, "second": 26}
